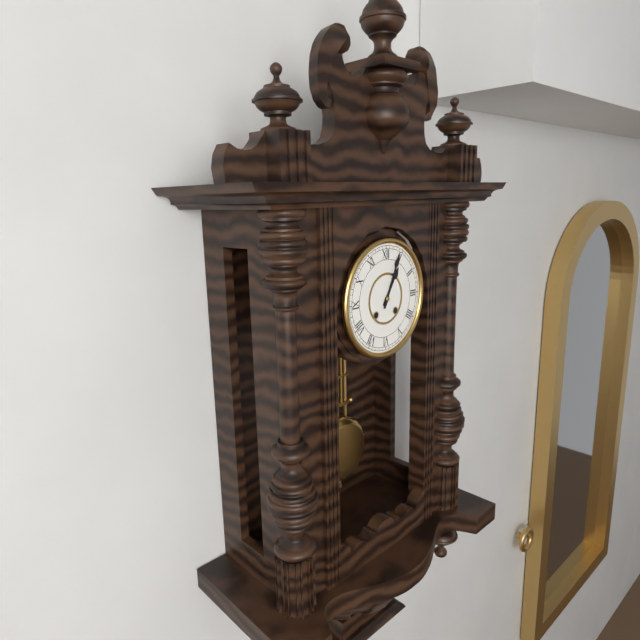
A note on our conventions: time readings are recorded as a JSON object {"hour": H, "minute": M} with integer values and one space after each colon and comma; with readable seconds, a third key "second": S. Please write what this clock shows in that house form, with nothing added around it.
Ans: {"hour": 1, "minute": 4}
